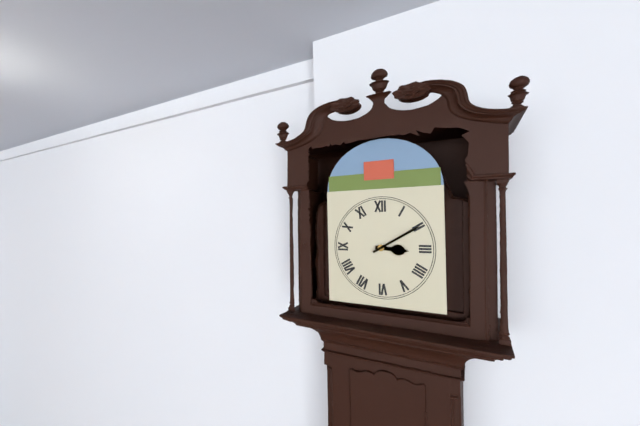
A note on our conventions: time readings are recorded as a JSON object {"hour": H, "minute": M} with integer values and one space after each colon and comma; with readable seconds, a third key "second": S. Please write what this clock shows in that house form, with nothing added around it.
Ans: {"hour": 3, "minute": 10}
